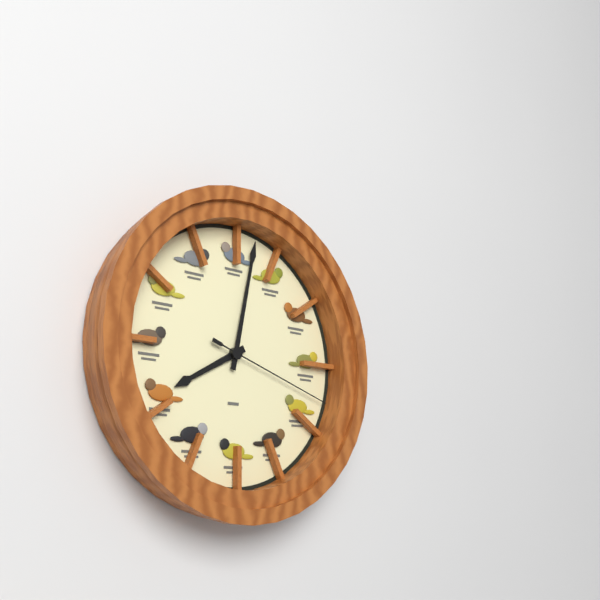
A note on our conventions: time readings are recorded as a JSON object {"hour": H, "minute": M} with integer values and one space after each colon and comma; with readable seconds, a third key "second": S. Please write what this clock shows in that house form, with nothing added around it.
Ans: {"hour": 8, "minute": 2, "second": 18}
